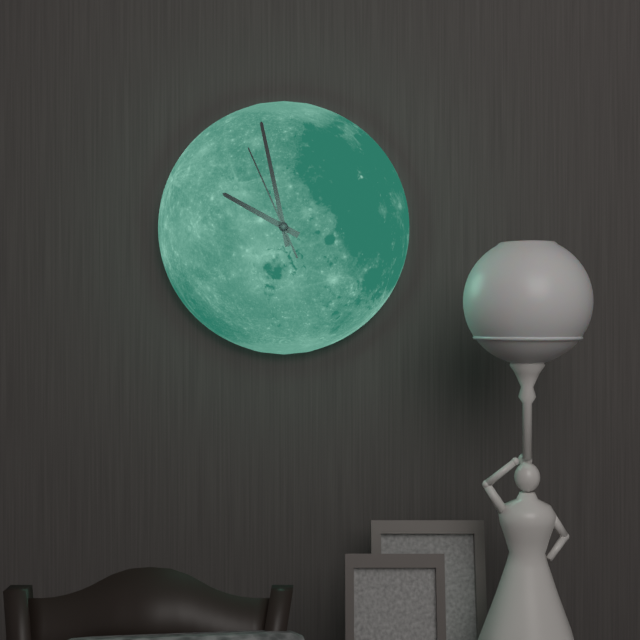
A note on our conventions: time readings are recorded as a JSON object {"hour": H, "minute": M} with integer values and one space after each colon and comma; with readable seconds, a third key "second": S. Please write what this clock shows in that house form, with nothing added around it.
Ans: {"hour": 9, "minute": 58, "second": 56}
